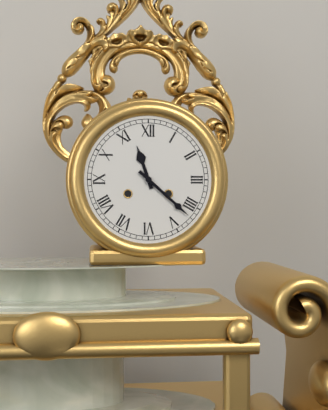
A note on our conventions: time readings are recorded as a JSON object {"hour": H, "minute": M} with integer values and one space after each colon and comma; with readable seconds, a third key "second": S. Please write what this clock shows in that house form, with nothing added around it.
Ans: {"hour": 11, "minute": 22}
